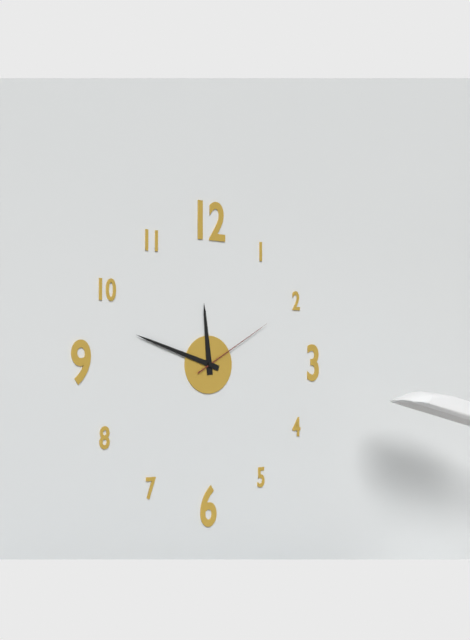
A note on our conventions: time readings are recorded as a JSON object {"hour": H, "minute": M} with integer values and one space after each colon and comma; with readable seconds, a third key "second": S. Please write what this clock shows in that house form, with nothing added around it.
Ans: {"hour": 11, "minute": 48, "second": 10}
